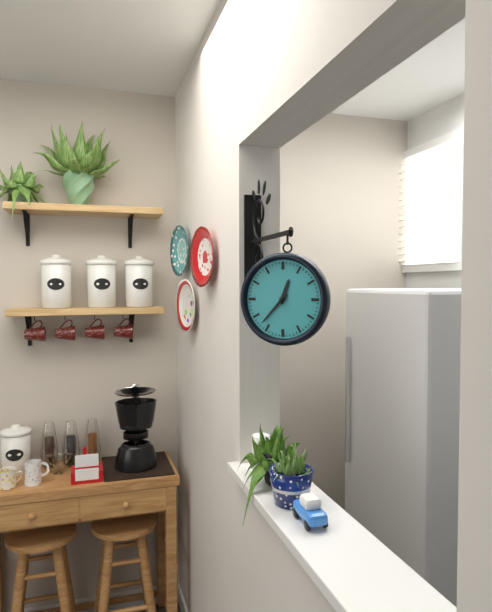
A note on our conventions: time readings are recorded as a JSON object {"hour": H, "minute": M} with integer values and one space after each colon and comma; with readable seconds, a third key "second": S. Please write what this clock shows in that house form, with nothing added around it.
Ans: {"hour": 12, "minute": 37}
